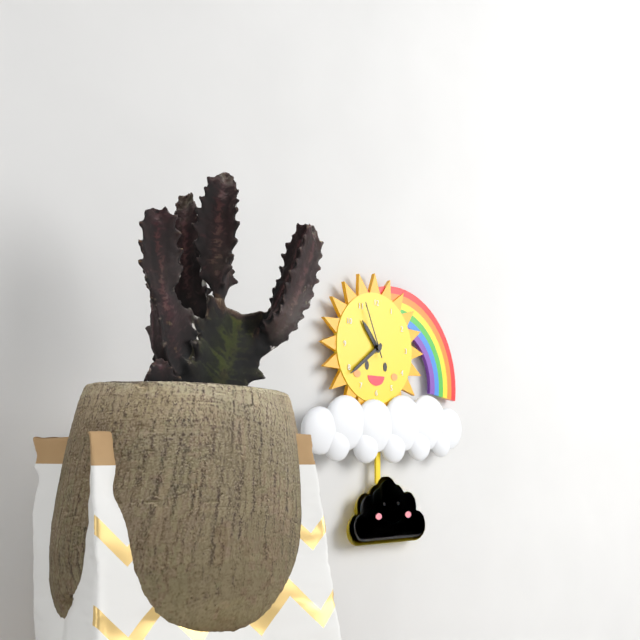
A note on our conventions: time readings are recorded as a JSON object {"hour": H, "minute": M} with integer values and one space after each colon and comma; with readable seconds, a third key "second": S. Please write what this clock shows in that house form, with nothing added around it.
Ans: {"hour": 10, "minute": 39, "second": 56}
